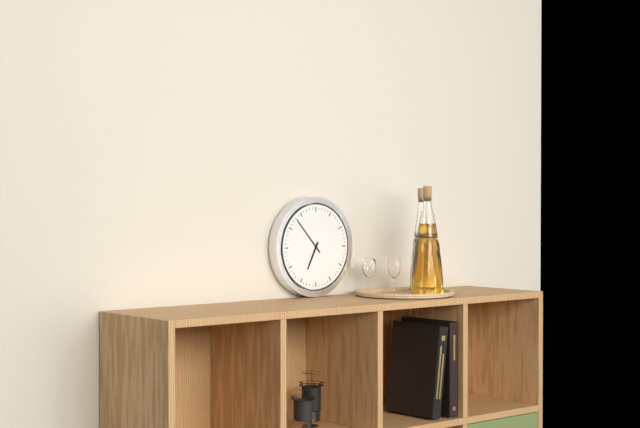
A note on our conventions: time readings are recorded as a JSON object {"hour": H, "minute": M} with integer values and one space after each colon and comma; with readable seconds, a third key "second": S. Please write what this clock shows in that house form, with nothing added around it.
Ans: {"hour": 6, "minute": 53}
